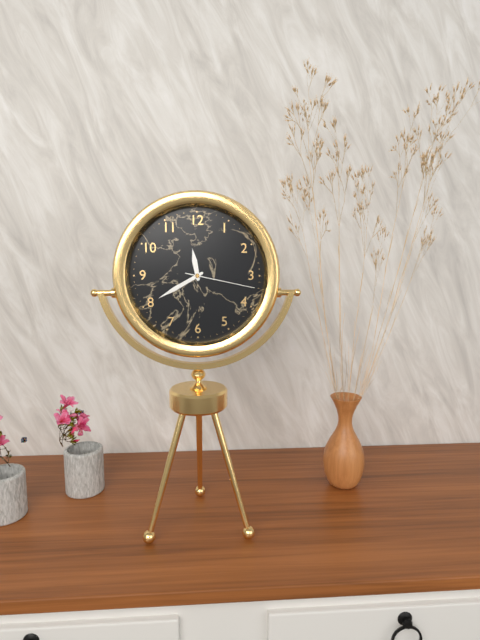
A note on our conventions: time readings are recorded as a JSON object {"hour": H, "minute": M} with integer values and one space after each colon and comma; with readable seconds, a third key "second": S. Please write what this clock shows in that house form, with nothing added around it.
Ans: {"hour": 11, "minute": 40, "second": 17}
